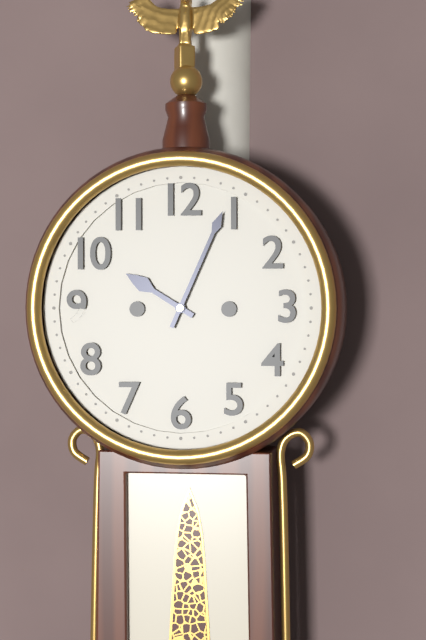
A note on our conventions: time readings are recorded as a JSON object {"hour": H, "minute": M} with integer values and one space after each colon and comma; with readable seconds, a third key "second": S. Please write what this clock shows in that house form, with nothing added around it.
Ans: {"hour": 10, "minute": 4}
